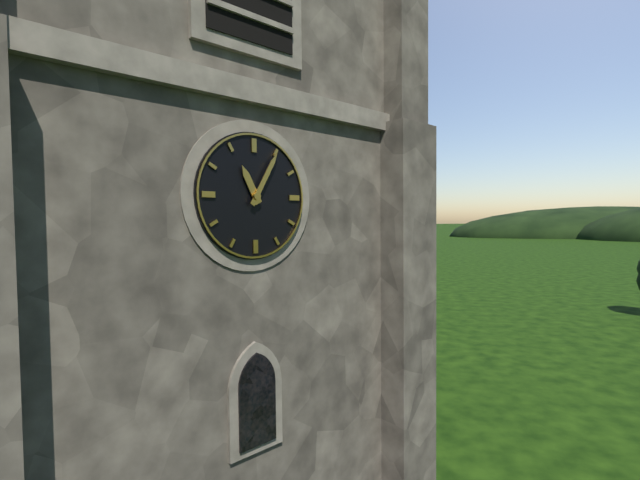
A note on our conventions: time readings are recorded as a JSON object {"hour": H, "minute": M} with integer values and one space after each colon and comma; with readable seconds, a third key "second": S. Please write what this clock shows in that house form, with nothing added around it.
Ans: {"hour": 11, "minute": 5}
